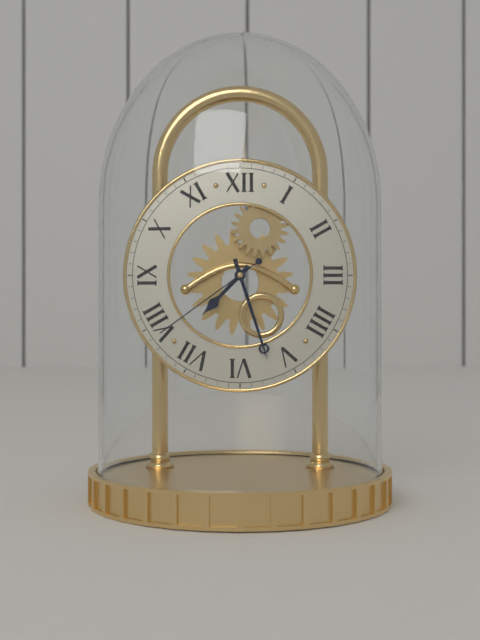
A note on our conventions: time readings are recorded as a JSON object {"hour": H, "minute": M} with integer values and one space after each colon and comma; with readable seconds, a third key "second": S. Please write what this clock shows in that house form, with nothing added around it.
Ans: {"hour": 7, "minute": 27, "second": 39}
